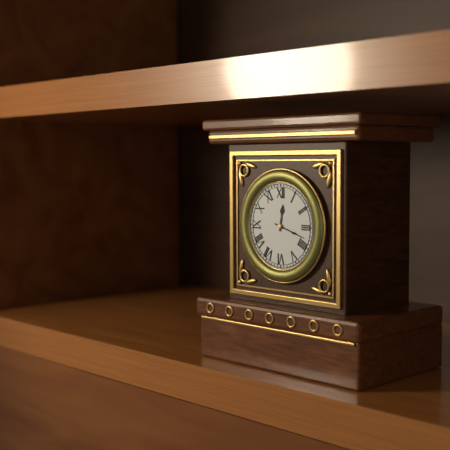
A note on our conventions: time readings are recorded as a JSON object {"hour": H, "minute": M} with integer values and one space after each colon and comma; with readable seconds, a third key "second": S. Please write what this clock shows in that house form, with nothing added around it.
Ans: {"hour": 12, "minute": 18}
